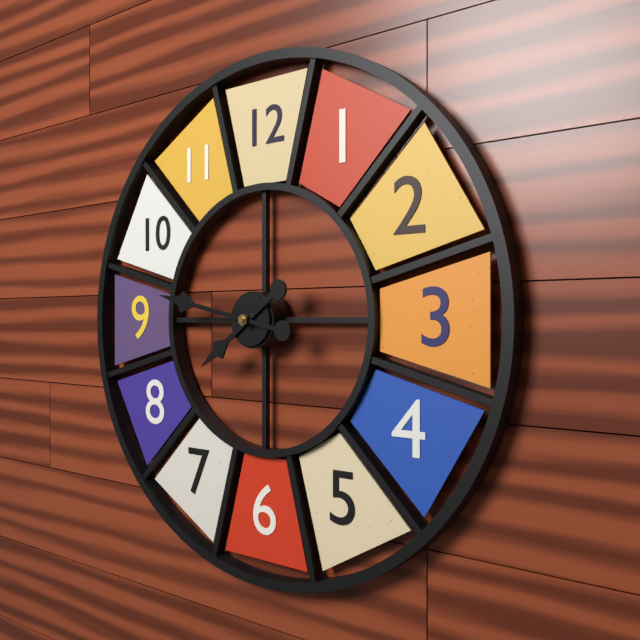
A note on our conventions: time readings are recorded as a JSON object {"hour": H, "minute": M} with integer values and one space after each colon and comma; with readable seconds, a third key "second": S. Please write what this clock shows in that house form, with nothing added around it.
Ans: {"hour": 7, "minute": 47}
